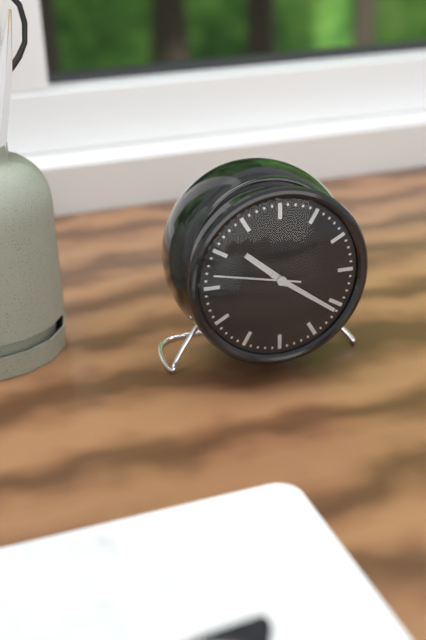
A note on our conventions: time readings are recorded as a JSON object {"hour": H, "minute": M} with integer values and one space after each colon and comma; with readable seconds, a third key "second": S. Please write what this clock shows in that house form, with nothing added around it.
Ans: {"hour": 10, "minute": 21, "second": 47}
